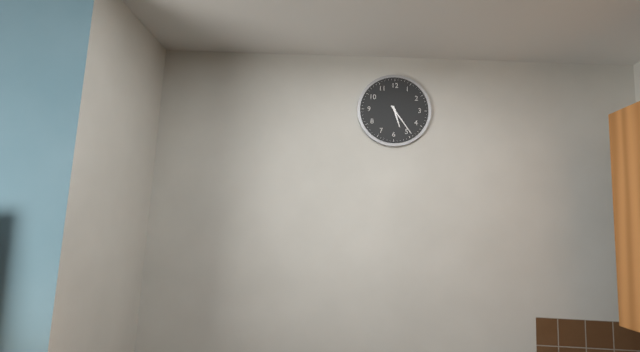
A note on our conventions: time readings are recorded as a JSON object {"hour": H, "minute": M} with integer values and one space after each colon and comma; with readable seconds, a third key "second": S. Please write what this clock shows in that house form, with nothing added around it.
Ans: {"hour": 5, "minute": 24}
